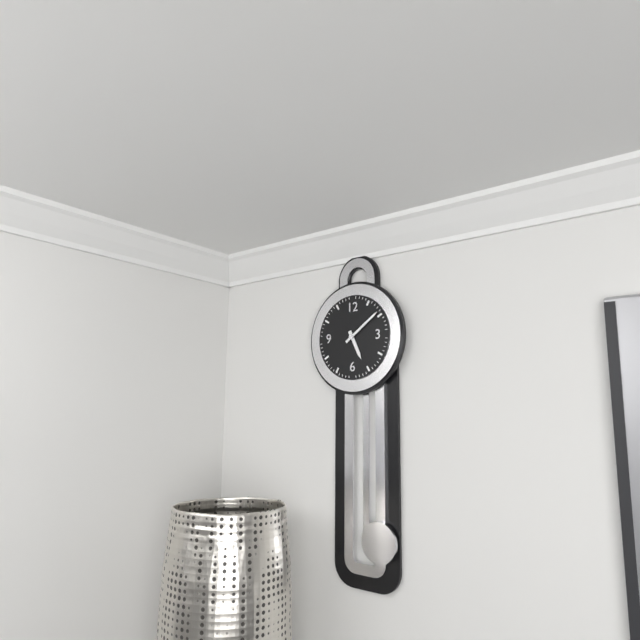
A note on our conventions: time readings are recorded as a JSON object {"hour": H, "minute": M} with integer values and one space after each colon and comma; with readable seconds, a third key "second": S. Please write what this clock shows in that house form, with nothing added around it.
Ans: {"hour": 5, "minute": 9}
